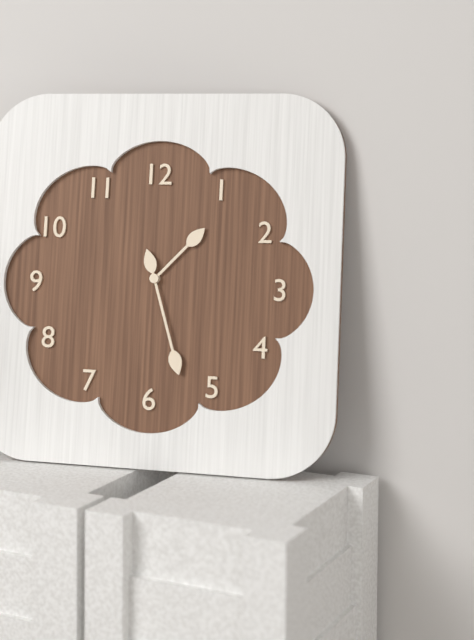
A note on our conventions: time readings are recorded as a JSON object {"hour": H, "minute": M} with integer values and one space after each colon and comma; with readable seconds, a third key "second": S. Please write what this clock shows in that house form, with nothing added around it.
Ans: {"hour": 1, "minute": 27}
